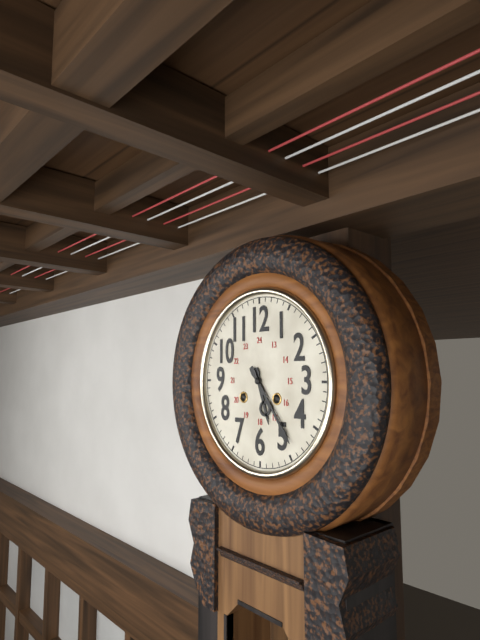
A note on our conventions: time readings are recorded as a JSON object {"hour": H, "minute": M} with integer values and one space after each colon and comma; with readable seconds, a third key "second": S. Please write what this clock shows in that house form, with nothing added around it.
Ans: {"hour": 5, "minute": 24}
